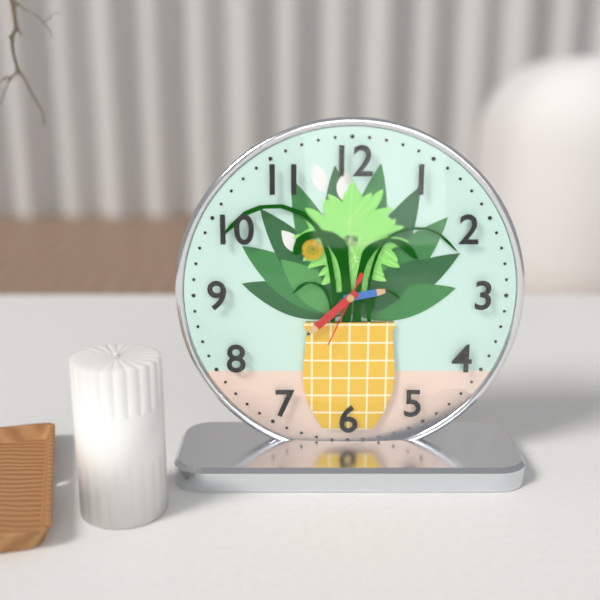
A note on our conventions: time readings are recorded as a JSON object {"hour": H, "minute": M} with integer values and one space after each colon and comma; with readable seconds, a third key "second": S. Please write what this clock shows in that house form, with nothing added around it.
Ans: {"hour": 2, "minute": 38, "second": 34}
